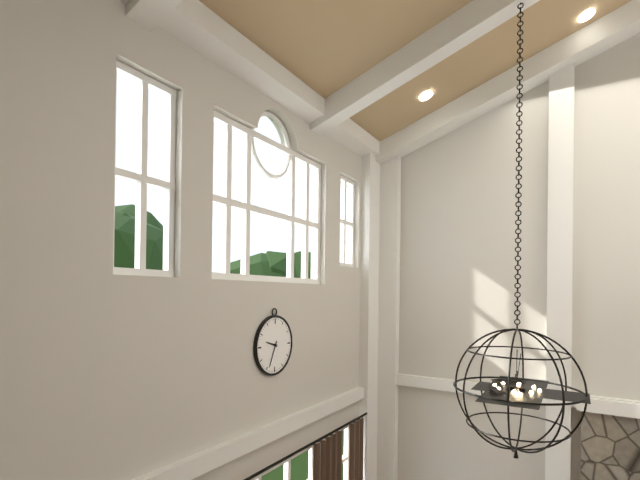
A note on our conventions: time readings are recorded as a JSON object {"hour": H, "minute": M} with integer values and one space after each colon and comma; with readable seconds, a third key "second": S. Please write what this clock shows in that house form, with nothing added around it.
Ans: {"hour": 9, "minute": 34}
